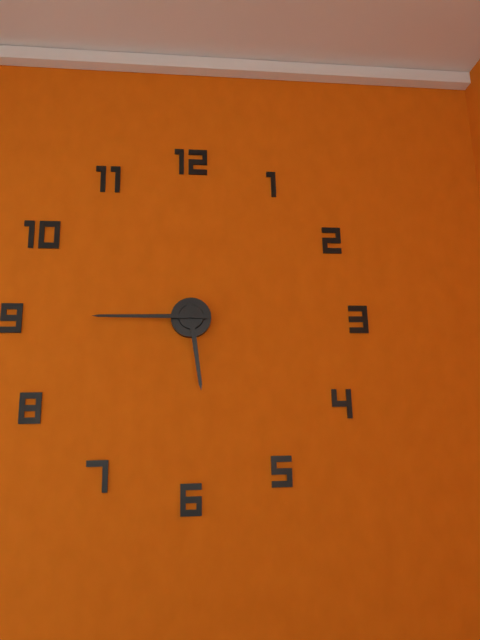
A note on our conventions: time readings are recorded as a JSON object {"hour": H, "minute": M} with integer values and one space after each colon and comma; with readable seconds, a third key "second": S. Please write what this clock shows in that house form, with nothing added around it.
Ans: {"hour": 5, "minute": 45}
